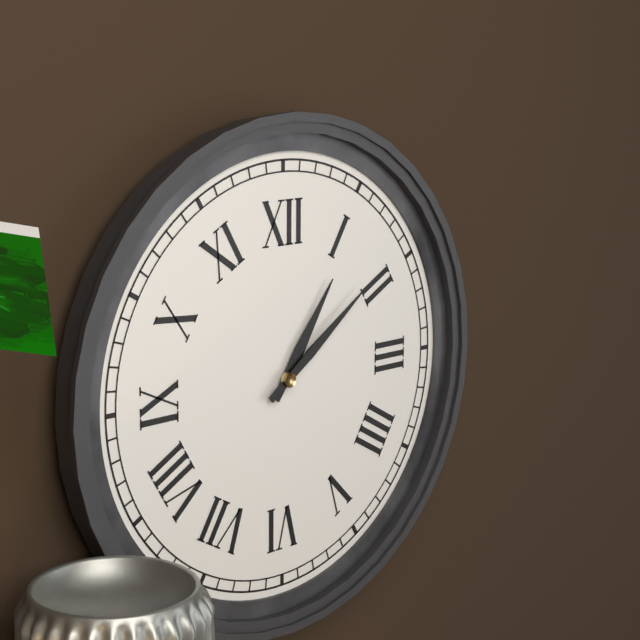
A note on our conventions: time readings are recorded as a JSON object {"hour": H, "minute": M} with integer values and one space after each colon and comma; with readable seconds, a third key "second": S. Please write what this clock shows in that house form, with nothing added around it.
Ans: {"hour": 1, "minute": 9}
